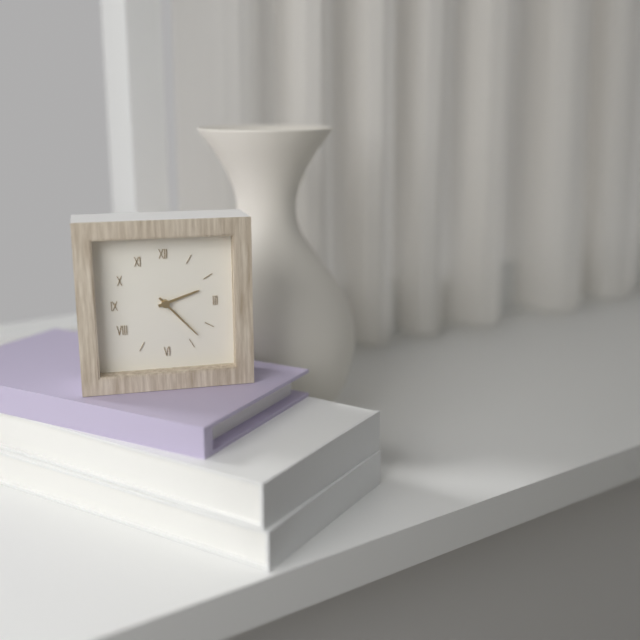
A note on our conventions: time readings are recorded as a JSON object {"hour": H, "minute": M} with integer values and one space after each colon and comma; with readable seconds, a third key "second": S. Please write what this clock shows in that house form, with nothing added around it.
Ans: {"hour": 2, "minute": 23}
